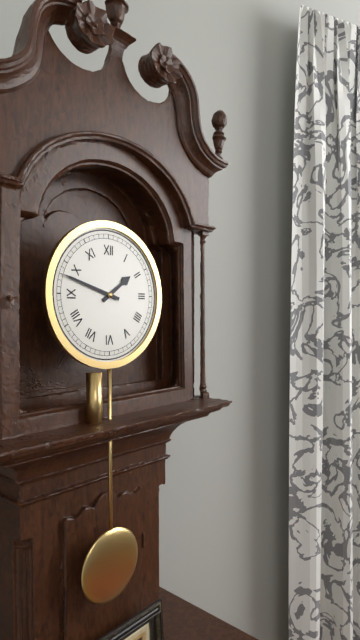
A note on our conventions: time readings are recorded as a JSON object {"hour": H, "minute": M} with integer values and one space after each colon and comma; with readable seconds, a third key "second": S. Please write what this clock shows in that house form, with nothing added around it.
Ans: {"hour": 1, "minute": 48}
